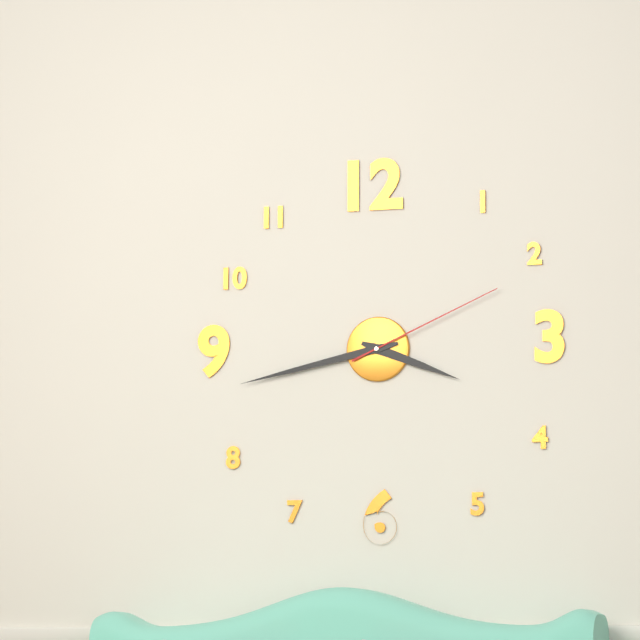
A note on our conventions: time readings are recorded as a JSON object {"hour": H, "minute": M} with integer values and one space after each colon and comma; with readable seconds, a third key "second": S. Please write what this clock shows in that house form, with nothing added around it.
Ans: {"hour": 3, "minute": 43, "second": 11}
